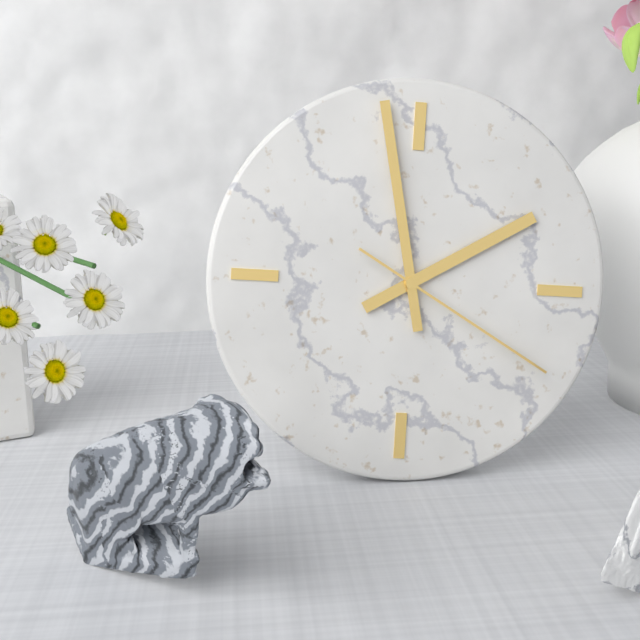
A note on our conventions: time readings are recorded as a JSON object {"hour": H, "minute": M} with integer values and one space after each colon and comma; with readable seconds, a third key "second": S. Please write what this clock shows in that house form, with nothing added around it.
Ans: {"hour": 1, "minute": 58, "second": 20}
